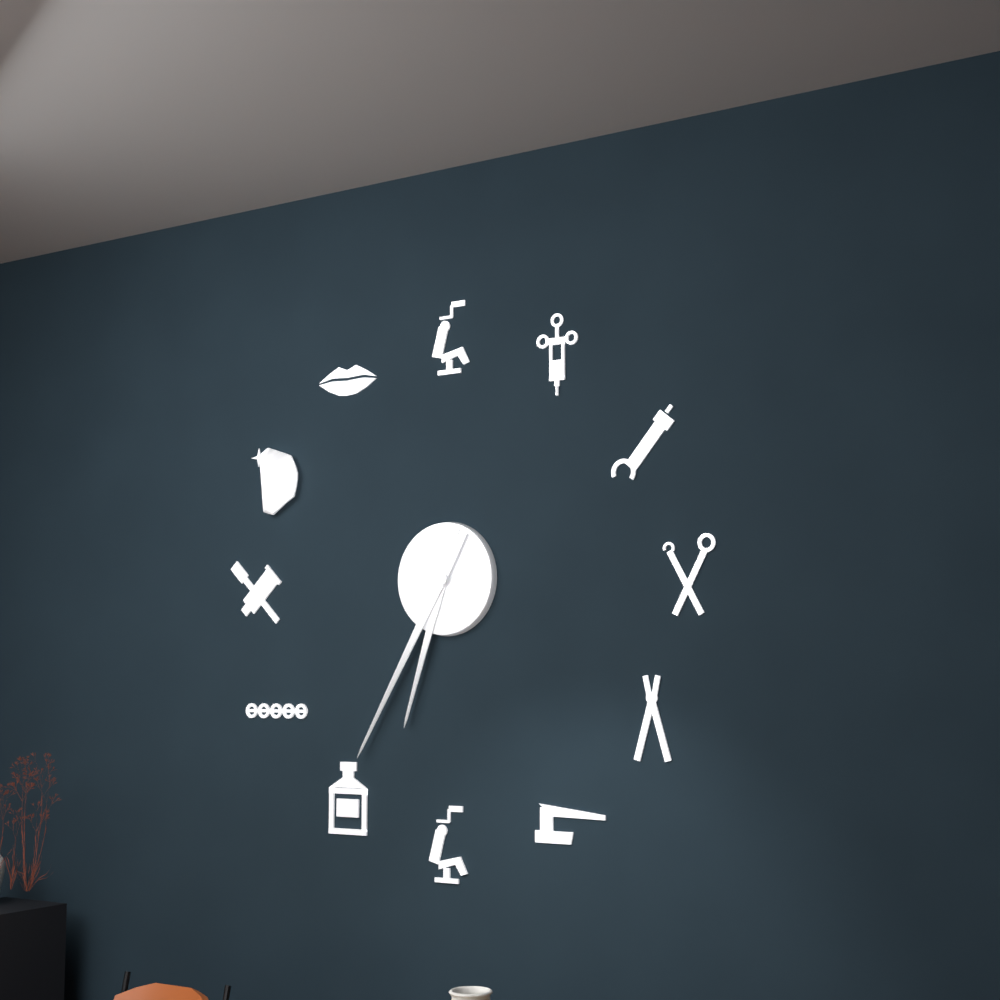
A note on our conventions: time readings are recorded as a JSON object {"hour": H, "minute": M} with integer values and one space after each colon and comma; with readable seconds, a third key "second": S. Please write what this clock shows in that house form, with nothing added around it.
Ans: {"hour": 6, "minute": 35}
